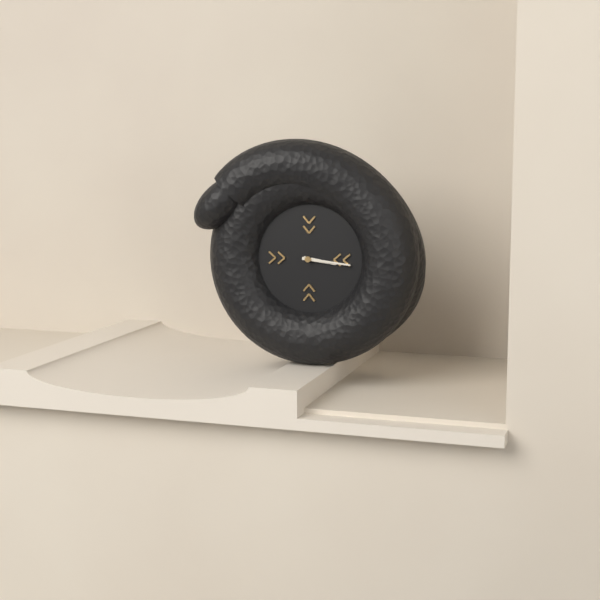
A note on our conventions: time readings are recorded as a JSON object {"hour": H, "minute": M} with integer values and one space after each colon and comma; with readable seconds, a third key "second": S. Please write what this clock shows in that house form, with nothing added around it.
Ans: {"hour": 3, "minute": 16}
